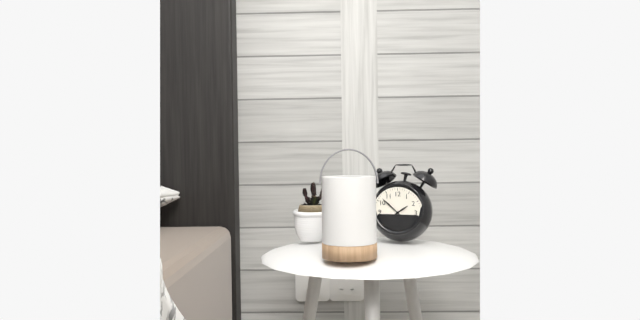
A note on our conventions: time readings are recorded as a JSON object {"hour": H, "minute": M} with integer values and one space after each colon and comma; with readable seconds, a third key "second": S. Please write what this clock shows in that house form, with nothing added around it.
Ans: {"hour": 1, "minute": 52}
